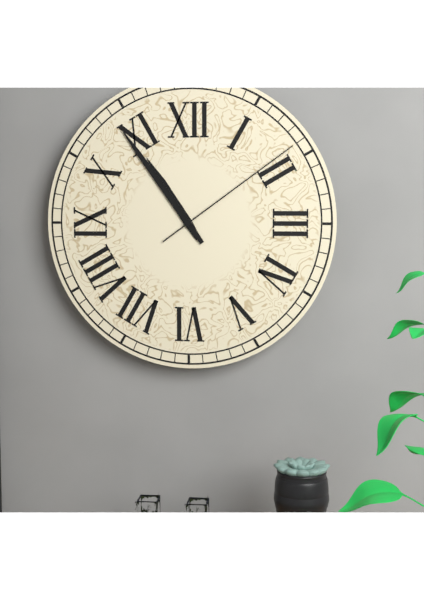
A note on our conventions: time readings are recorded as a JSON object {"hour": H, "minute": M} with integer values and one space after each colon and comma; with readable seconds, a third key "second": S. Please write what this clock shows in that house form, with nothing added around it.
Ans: {"hour": 10, "minute": 54, "second": 9}
